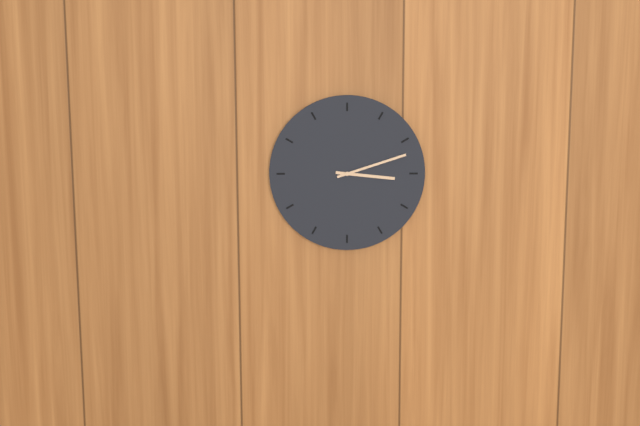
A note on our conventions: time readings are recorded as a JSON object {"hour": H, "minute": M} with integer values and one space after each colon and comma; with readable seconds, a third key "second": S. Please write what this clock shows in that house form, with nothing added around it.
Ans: {"hour": 3, "minute": 12}
